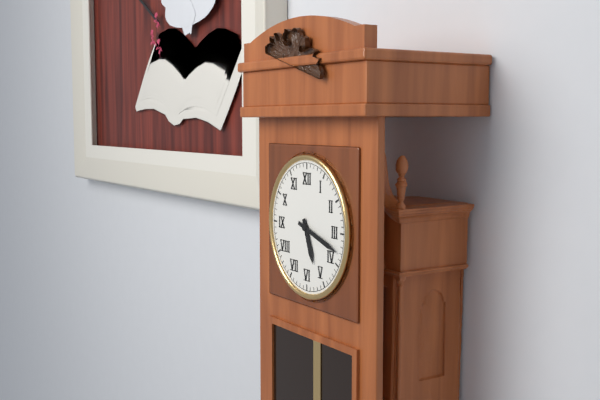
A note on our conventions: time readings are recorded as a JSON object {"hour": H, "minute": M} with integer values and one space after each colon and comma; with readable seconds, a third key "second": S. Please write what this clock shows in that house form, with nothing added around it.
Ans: {"hour": 5, "minute": 18}
